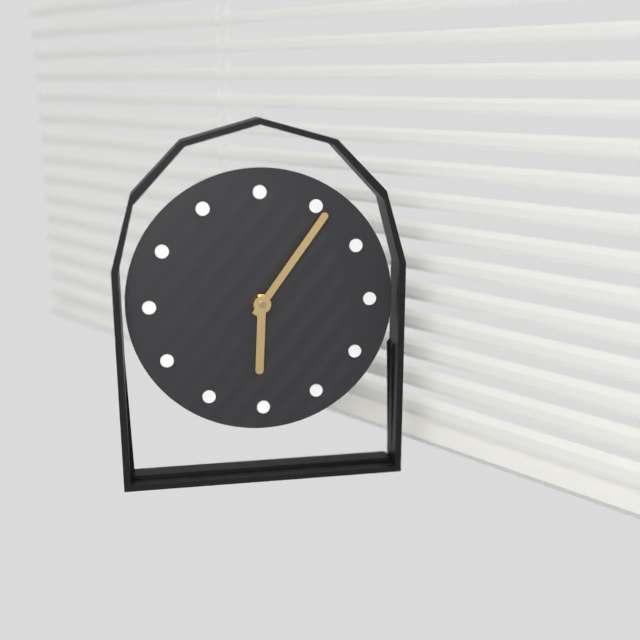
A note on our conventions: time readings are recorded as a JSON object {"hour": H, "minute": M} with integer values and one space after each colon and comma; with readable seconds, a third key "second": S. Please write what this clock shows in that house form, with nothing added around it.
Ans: {"hour": 6, "minute": 6}
